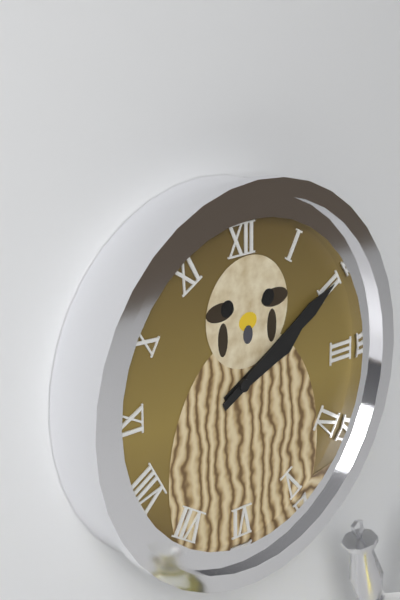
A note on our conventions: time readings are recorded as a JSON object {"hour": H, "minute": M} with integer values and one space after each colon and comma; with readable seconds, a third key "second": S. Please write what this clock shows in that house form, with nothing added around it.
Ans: {"hour": 2, "minute": 10}
